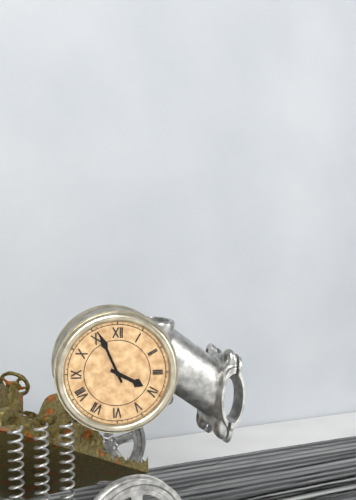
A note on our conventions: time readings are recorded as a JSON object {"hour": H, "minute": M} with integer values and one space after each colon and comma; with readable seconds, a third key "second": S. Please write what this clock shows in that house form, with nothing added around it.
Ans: {"hour": 3, "minute": 56}
